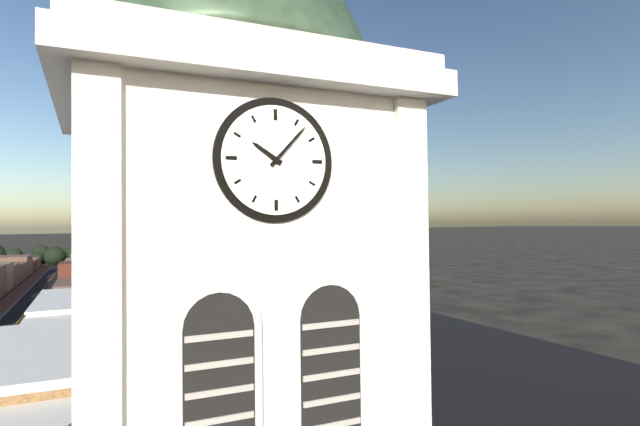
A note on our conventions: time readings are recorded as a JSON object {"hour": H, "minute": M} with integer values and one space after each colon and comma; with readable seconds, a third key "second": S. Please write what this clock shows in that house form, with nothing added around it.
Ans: {"hour": 10, "minute": 7}
